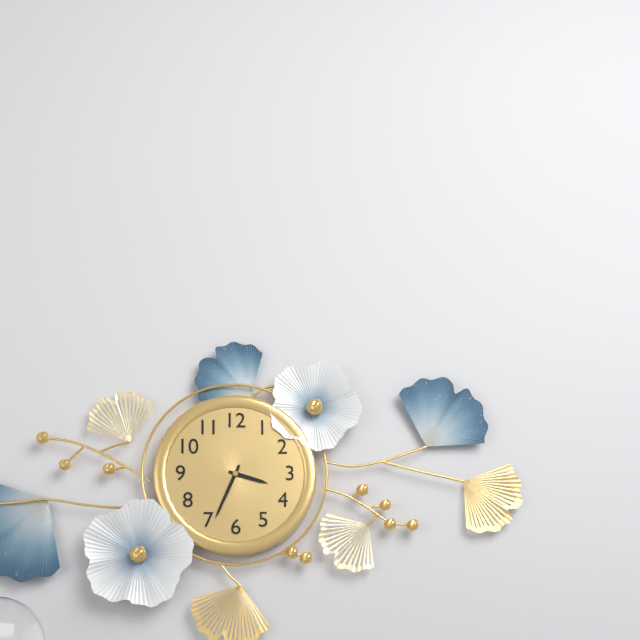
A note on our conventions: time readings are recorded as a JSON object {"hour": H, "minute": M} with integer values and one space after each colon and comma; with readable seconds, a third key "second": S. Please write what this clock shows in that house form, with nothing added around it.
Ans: {"hour": 3, "minute": 34}
